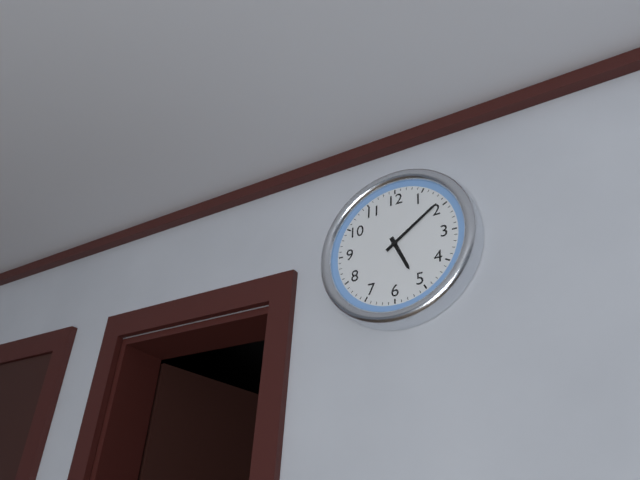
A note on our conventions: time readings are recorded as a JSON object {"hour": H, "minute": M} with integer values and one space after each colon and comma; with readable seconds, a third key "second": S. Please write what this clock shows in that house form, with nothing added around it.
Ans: {"hour": 5, "minute": 9}
